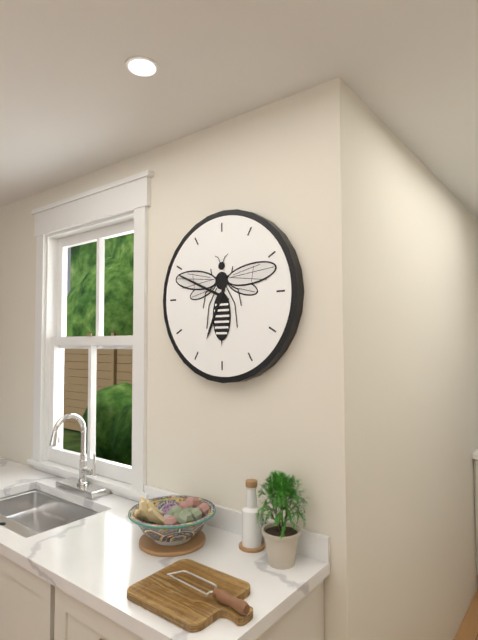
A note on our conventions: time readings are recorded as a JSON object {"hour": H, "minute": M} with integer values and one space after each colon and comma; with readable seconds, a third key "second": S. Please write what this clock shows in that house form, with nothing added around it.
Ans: {"hour": 6, "minute": 49}
